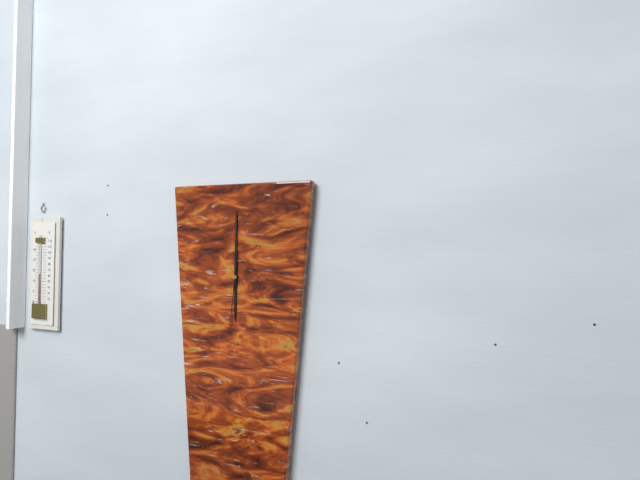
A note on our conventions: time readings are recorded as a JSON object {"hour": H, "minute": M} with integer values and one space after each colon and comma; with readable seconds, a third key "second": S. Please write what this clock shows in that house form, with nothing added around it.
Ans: {"hour": 6, "minute": 0, "second": 31}
